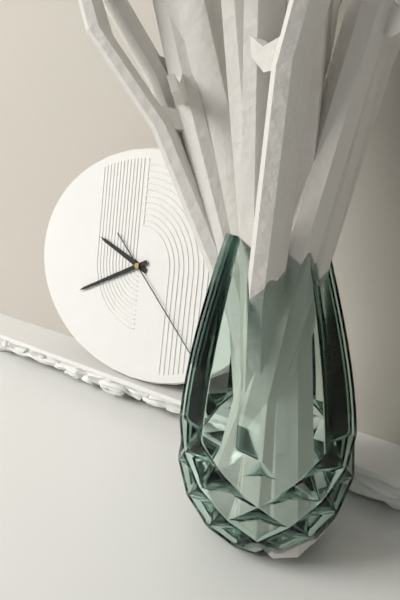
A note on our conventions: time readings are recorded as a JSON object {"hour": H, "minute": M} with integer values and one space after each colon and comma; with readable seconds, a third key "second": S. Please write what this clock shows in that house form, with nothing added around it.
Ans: {"hour": 9, "minute": 41, "second": 22}
